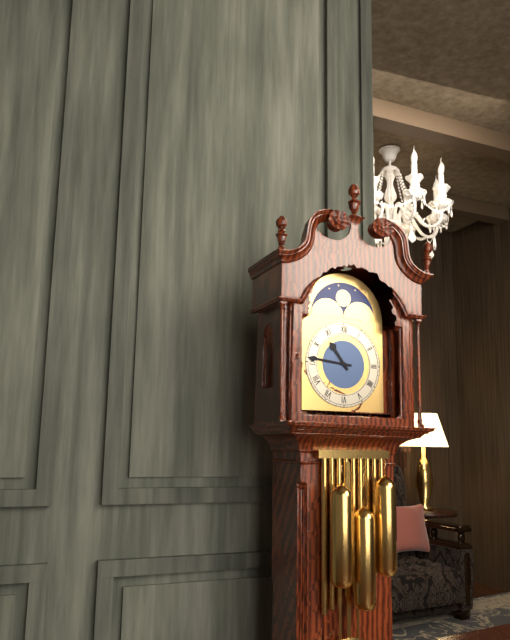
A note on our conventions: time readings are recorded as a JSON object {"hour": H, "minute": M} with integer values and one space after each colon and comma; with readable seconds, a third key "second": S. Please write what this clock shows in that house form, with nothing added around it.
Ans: {"hour": 10, "minute": 46}
